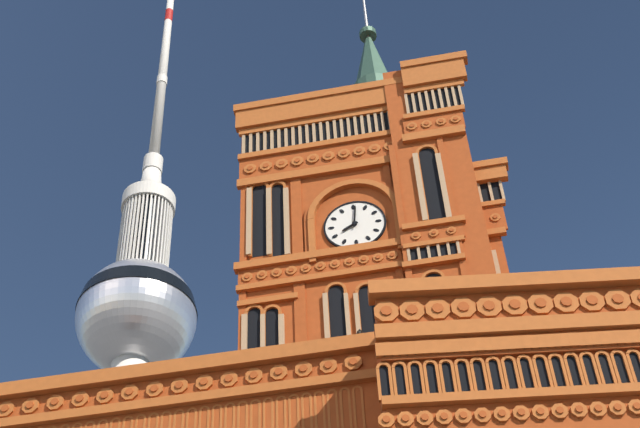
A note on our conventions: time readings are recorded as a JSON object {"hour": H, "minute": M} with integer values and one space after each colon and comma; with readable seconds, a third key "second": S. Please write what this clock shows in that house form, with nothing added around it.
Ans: {"hour": 8, "minute": 1}
